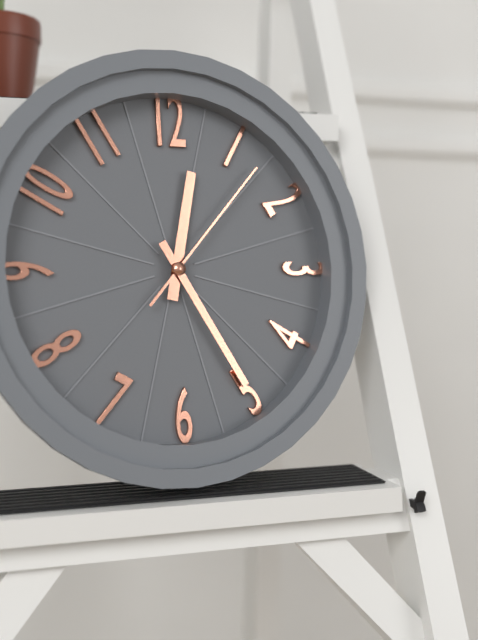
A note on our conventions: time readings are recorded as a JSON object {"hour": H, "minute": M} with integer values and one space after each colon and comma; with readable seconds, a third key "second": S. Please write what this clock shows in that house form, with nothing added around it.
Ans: {"hour": 12, "minute": 25, "second": 7}
